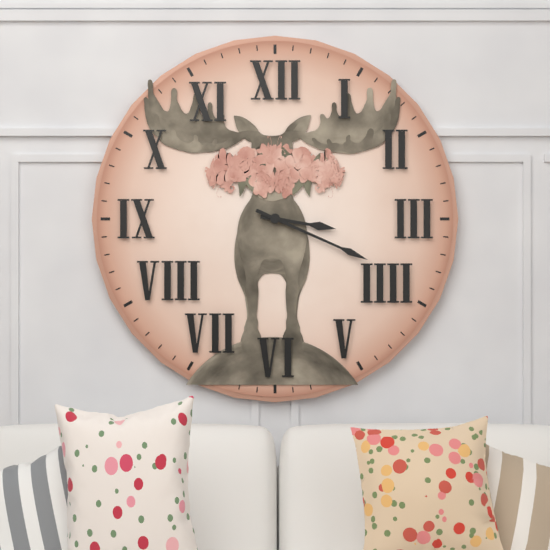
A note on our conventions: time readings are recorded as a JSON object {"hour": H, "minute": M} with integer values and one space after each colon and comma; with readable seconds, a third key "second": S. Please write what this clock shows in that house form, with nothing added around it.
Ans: {"hour": 3, "minute": 19}
